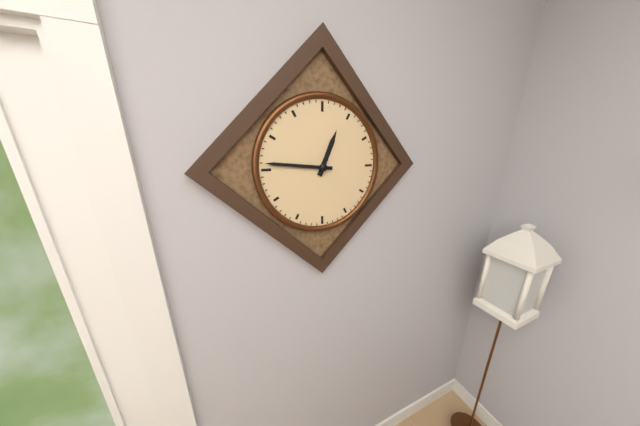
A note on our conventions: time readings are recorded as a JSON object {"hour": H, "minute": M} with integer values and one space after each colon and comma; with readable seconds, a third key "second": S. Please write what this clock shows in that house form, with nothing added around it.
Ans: {"hour": 12, "minute": 46}
